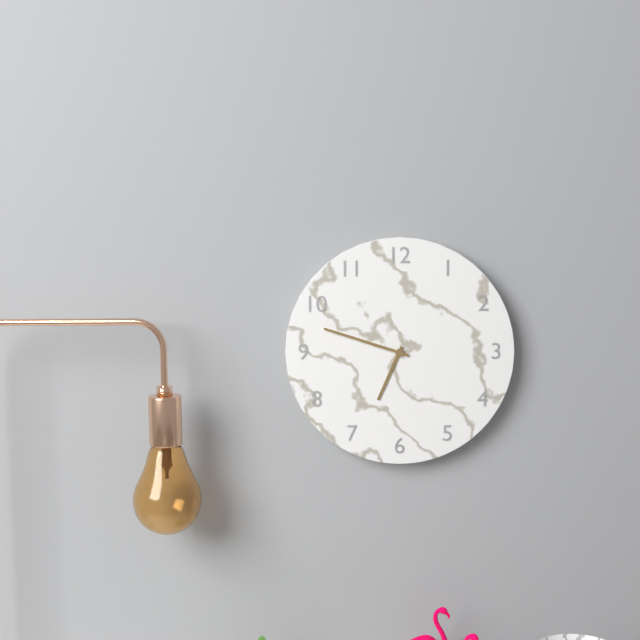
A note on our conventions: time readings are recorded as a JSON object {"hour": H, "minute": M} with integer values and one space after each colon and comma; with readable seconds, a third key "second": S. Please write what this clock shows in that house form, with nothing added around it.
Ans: {"hour": 6, "minute": 48}
